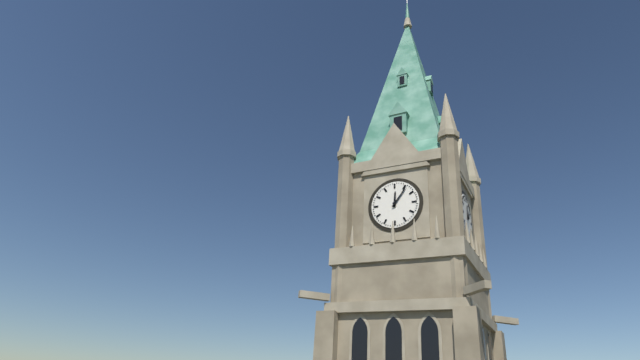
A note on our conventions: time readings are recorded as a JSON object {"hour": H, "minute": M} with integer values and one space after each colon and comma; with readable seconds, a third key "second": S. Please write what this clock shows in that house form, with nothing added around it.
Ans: {"hour": 12, "minute": 6}
